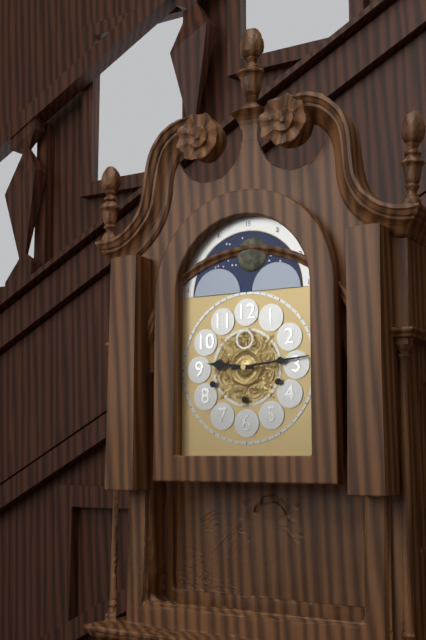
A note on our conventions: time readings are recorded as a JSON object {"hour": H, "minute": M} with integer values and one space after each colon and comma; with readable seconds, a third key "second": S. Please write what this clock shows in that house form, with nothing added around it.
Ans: {"hour": 9, "minute": 14}
